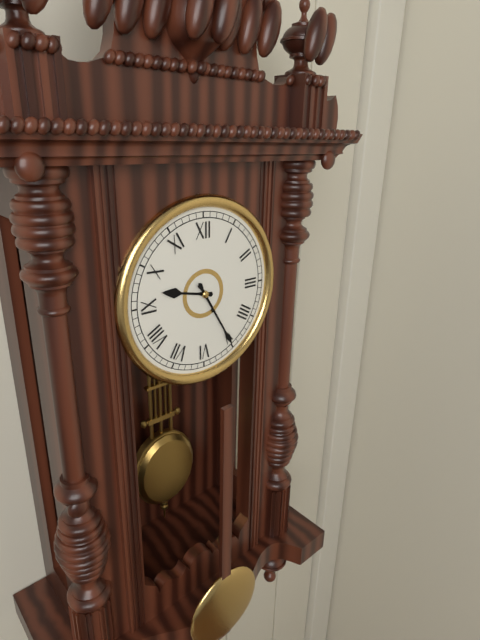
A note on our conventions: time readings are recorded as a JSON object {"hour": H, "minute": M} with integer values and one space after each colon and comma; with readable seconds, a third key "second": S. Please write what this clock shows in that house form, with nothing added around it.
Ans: {"hour": 9, "minute": 25}
